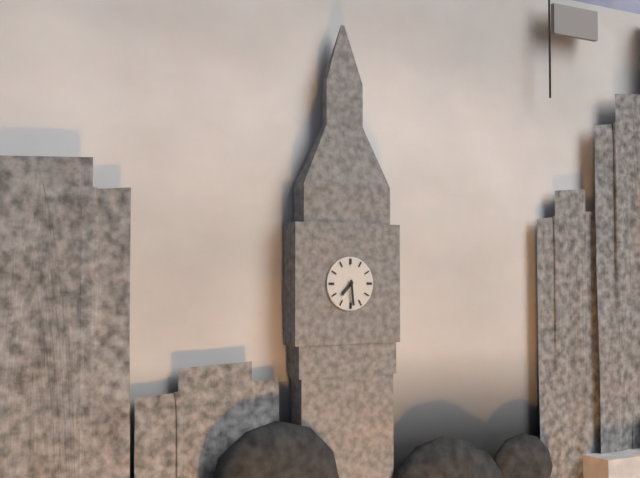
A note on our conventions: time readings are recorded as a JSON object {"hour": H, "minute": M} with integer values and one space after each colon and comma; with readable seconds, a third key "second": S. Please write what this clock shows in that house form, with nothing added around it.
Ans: {"hour": 7, "minute": 29}
